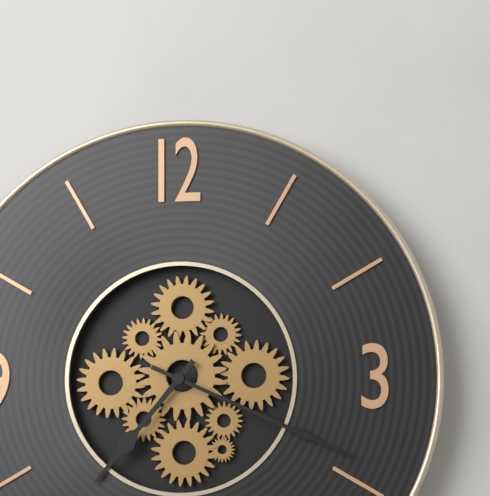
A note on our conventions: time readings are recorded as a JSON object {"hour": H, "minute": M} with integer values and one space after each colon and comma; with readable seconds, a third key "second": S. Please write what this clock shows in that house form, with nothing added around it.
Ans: {"hour": 7, "minute": 19}
